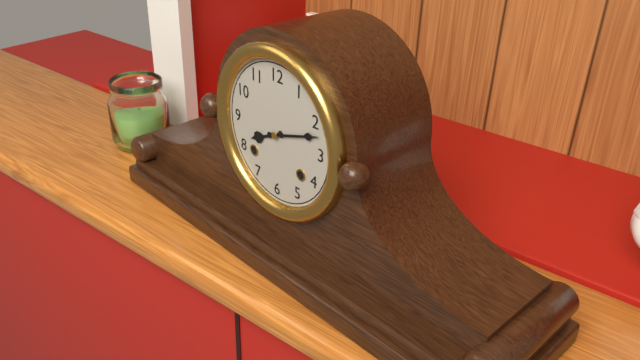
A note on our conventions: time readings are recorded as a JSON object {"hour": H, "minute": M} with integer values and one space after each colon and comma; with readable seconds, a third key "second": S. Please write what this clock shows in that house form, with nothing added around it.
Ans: {"hour": 8, "minute": 12}
